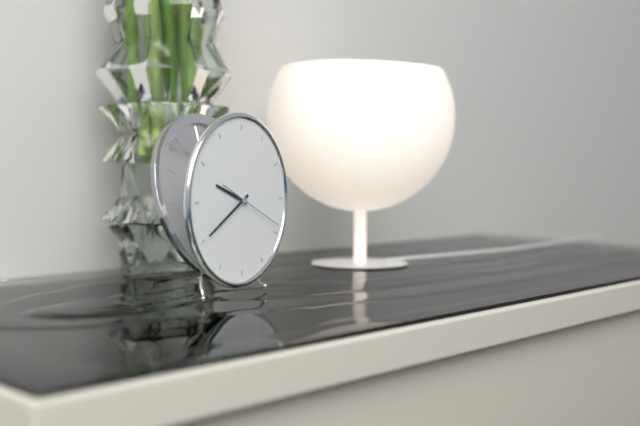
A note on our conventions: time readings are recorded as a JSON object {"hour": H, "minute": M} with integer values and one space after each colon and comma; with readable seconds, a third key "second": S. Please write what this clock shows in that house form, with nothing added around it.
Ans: {"hour": 9, "minute": 40, "second": 19}
